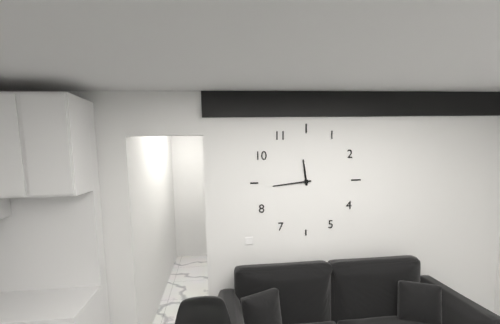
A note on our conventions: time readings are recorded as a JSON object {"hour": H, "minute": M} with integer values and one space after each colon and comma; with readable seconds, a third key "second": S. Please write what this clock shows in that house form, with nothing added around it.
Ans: {"hour": 11, "minute": 44}
